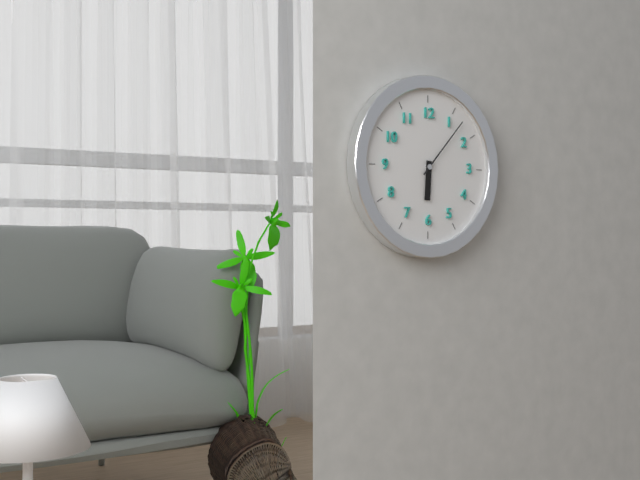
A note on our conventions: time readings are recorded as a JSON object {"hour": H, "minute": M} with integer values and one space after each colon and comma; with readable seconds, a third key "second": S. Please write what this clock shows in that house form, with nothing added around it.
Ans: {"hour": 6, "minute": 7}
